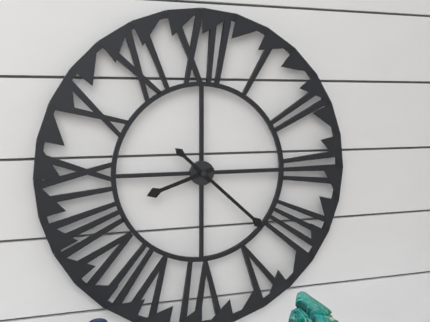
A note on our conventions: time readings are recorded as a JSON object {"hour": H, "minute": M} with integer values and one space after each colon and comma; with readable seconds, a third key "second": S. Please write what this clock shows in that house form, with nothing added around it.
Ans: {"hour": 8, "minute": 22}
